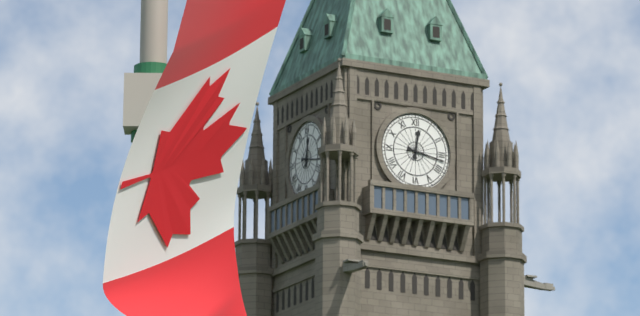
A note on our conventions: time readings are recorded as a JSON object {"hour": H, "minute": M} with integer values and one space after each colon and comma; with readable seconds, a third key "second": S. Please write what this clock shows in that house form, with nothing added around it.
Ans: {"hour": 12, "minute": 17}
